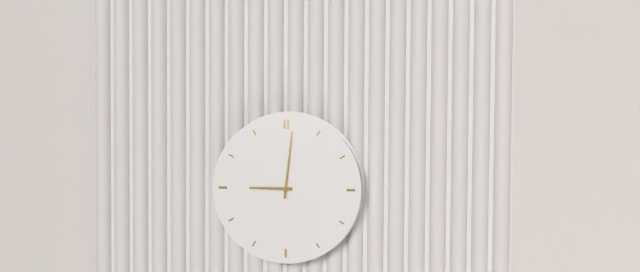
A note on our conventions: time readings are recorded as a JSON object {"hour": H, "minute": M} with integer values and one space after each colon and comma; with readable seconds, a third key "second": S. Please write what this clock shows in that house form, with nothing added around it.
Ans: {"hour": 9, "minute": 1}
